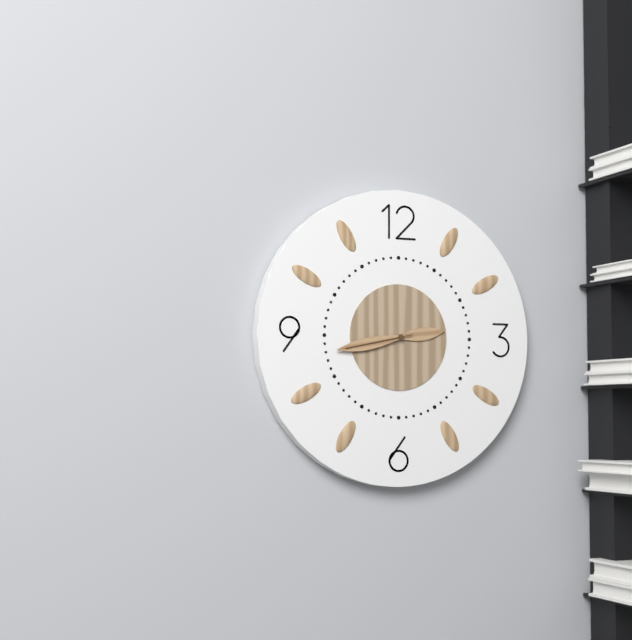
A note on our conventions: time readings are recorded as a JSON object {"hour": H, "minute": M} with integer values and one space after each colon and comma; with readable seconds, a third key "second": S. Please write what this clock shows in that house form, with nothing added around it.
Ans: {"hour": 2, "minute": 43, "second": 43}
